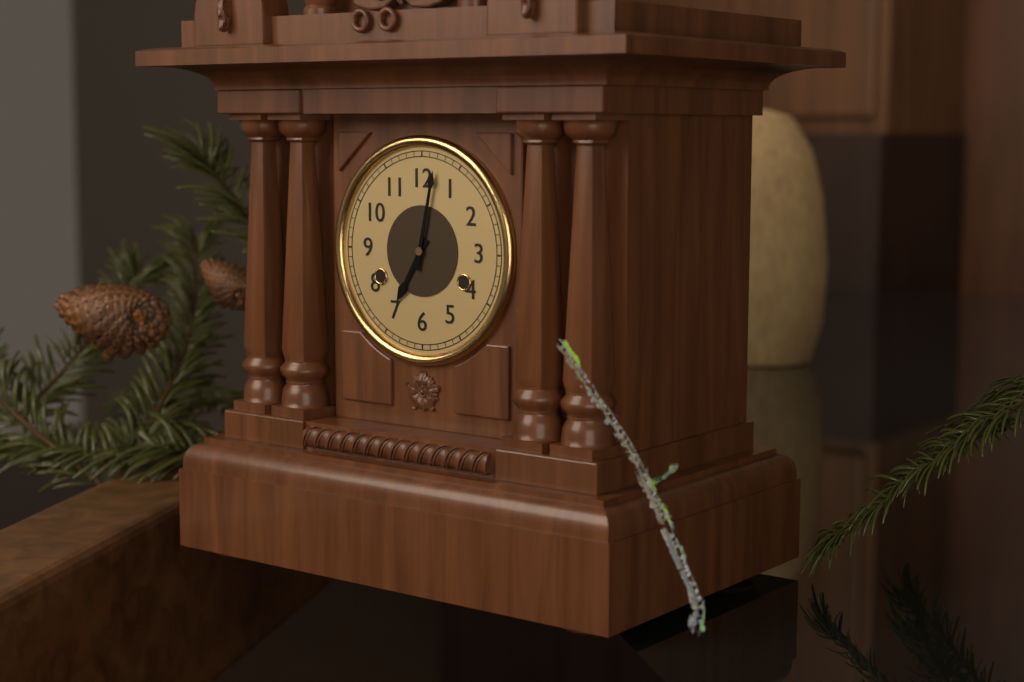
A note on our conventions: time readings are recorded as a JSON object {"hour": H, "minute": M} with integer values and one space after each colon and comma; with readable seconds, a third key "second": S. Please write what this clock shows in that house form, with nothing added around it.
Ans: {"hour": 7, "minute": 2}
